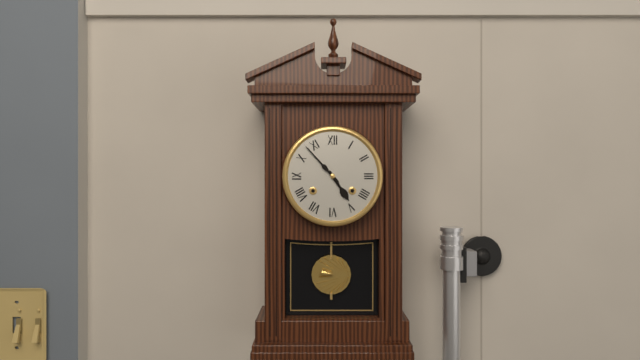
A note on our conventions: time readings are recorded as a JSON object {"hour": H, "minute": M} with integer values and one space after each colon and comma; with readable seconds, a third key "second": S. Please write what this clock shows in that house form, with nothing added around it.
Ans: {"hour": 4, "minute": 53}
